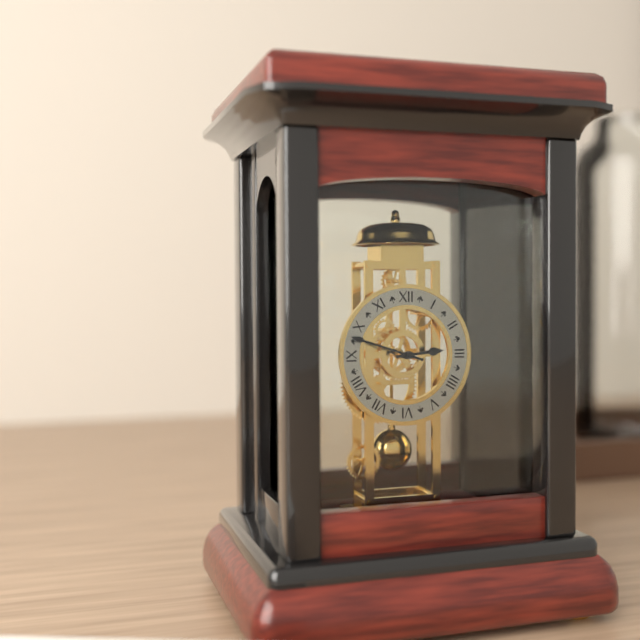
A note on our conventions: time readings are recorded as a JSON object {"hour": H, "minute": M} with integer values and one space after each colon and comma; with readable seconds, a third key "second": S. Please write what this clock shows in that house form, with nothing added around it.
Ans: {"hour": 2, "minute": 48}
